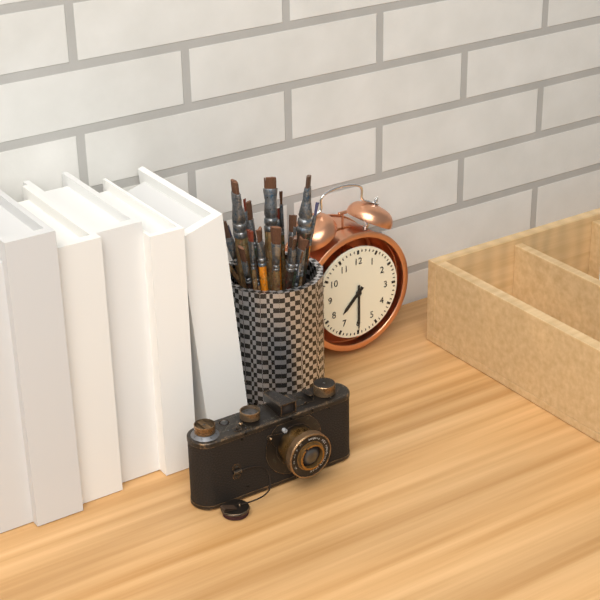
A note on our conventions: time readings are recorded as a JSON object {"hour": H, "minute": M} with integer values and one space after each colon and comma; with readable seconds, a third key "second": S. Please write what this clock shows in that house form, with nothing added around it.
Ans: {"hour": 7, "minute": 30}
